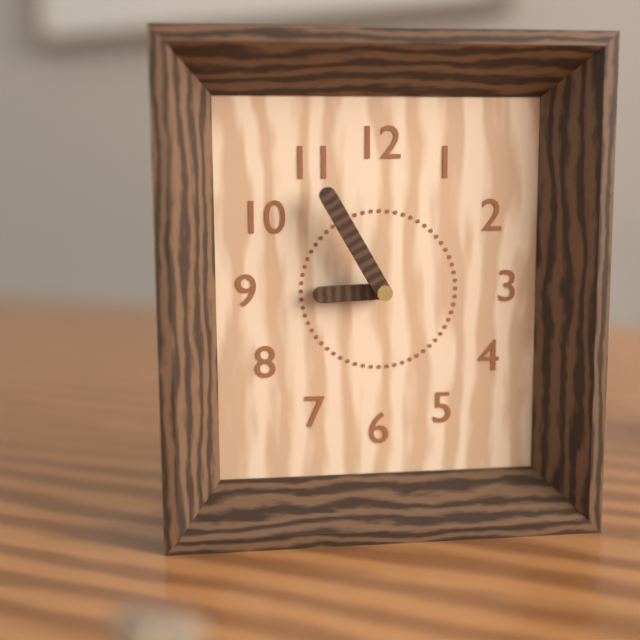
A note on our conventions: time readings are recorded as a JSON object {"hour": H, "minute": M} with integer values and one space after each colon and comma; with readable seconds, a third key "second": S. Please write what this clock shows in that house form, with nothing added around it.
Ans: {"hour": 8, "minute": 55}
